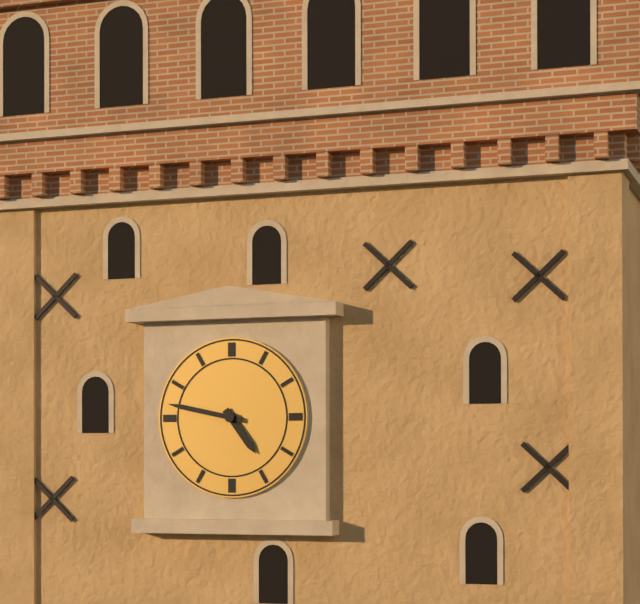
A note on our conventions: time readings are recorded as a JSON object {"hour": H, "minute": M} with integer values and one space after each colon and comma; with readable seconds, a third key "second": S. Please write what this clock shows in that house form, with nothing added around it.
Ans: {"hour": 4, "minute": 47}
